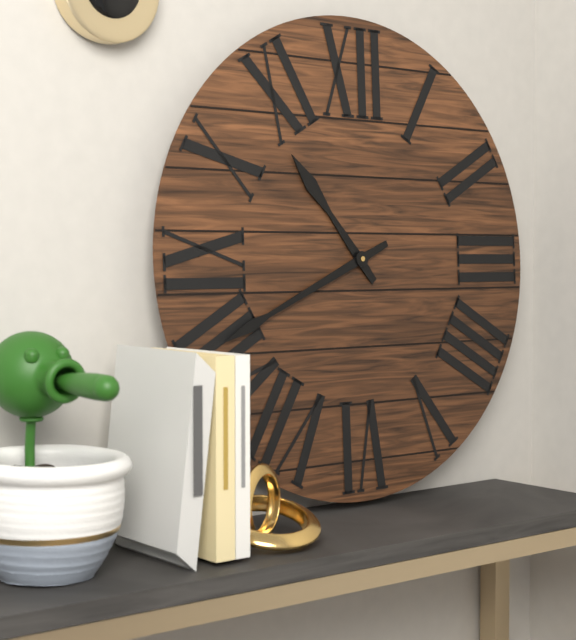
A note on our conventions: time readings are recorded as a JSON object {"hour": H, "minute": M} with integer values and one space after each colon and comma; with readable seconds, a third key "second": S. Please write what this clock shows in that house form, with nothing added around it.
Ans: {"hour": 10, "minute": 41}
